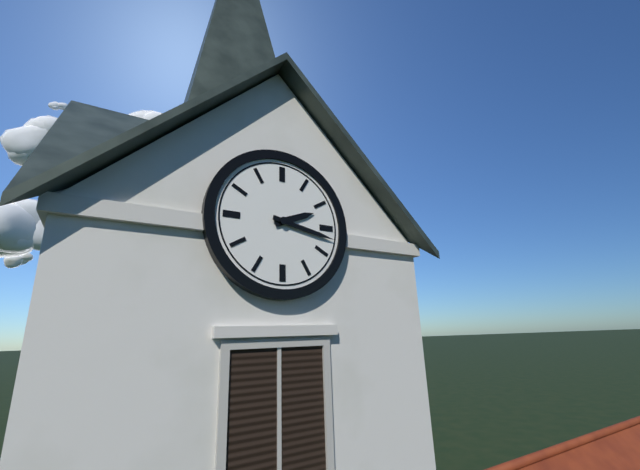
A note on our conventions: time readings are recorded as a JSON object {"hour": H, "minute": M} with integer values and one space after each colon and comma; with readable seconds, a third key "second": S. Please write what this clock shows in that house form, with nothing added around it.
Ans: {"hour": 2, "minute": 17}
